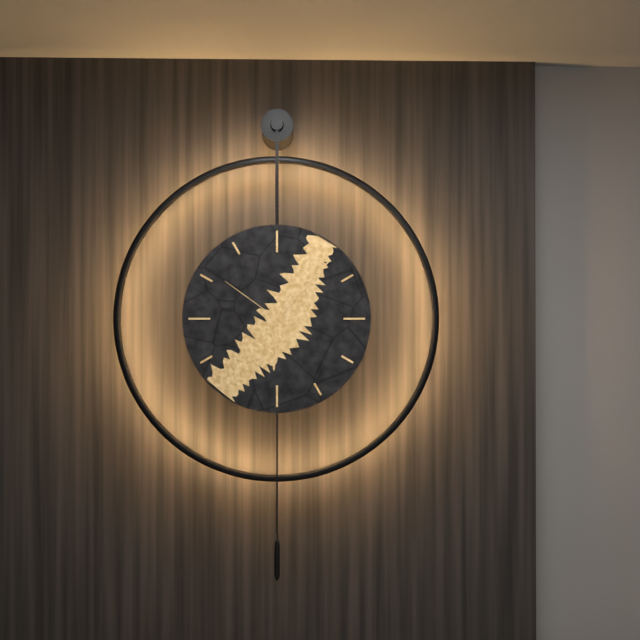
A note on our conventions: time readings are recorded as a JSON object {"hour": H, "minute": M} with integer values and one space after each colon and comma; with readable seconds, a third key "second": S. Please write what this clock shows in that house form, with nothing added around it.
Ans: {"hour": 6, "minute": 7, "second": 51}
